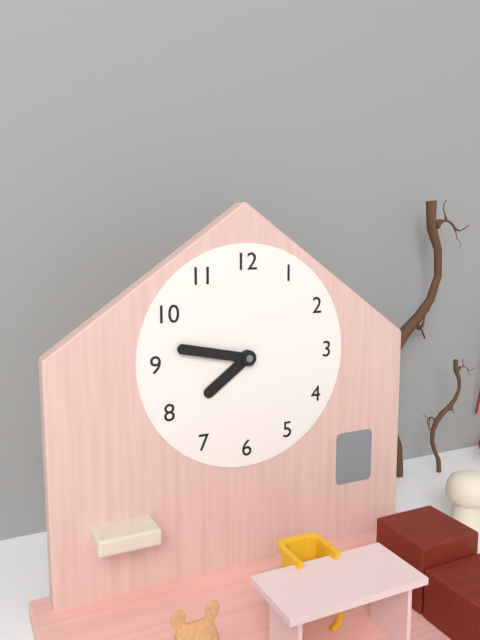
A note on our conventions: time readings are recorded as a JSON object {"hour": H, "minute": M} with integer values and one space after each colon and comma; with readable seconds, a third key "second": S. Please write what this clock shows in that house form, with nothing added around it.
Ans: {"hour": 7, "minute": 47}
